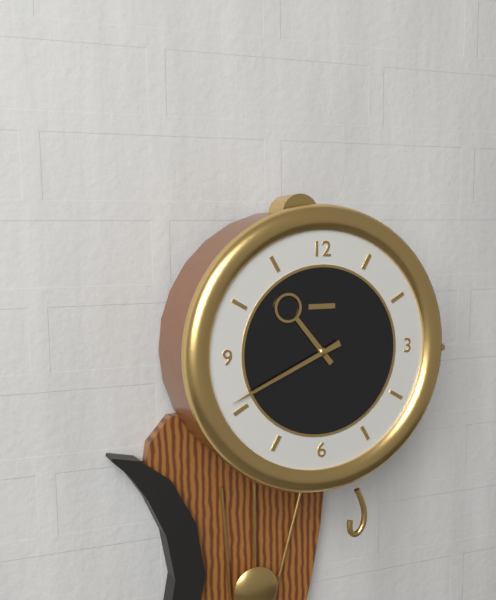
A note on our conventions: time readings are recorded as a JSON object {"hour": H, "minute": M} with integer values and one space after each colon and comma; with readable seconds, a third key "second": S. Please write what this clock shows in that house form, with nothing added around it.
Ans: {"hour": 10, "minute": 41}
